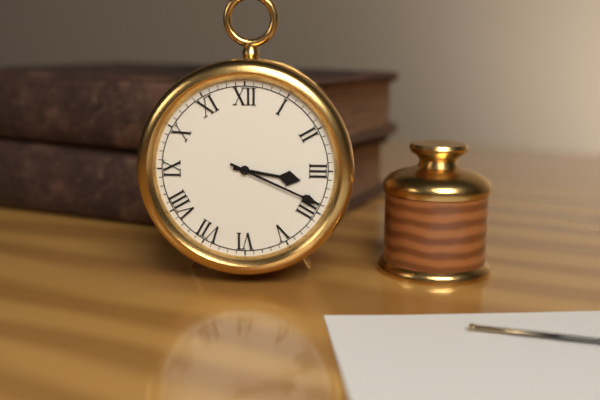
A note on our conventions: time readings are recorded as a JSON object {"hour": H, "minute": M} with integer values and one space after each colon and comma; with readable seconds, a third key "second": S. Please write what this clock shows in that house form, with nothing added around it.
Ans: {"hour": 3, "minute": 19}
